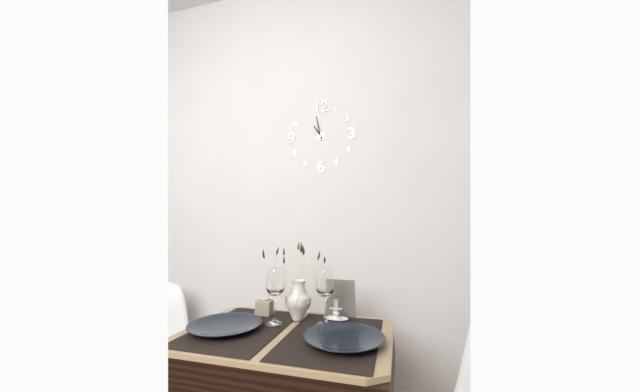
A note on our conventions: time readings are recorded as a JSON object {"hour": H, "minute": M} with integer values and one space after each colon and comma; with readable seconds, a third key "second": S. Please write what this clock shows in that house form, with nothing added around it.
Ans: {"hour": 10, "minute": 58}
